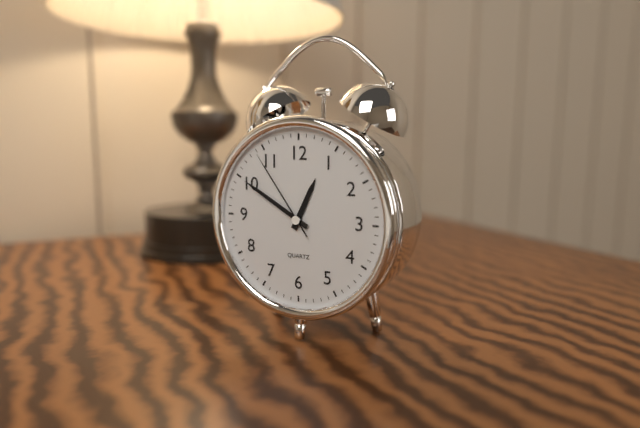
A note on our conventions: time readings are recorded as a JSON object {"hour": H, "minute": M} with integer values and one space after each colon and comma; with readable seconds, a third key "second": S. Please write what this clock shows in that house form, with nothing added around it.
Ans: {"hour": 12, "minute": 50, "second": 54}
